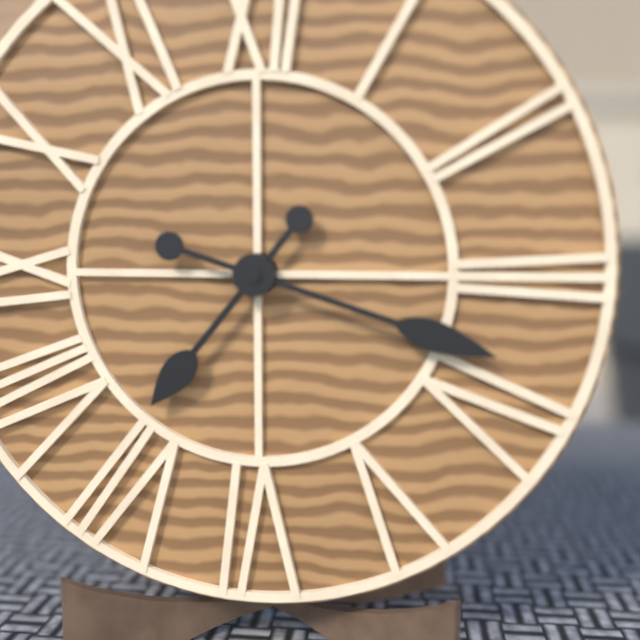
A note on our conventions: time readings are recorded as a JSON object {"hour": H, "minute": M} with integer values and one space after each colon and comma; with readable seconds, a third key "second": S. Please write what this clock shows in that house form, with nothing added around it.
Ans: {"hour": 7, "minute": 18}
